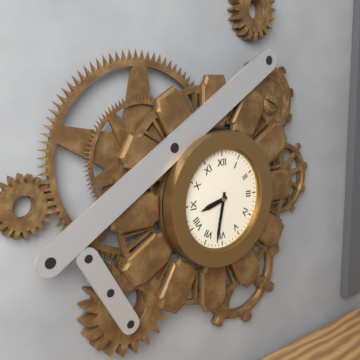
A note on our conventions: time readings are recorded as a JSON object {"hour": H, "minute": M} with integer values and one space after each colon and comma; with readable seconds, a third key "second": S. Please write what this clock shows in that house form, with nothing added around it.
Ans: {"hour": 8, "minute": 32}
